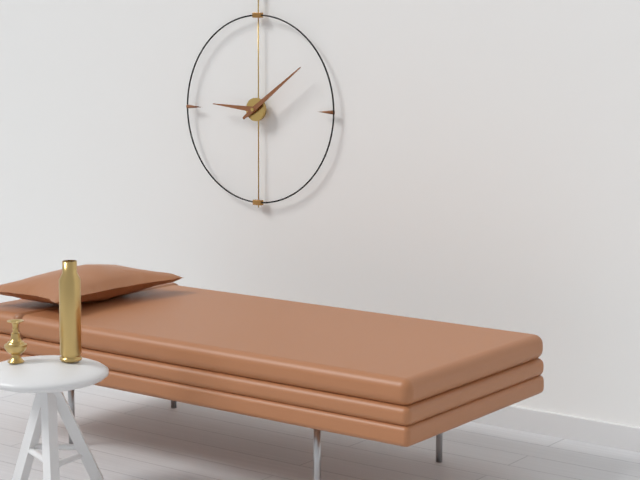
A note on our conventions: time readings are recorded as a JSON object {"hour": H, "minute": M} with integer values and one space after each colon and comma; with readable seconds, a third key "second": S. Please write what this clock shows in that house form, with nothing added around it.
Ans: {"hour": 9, "minute": 9}
